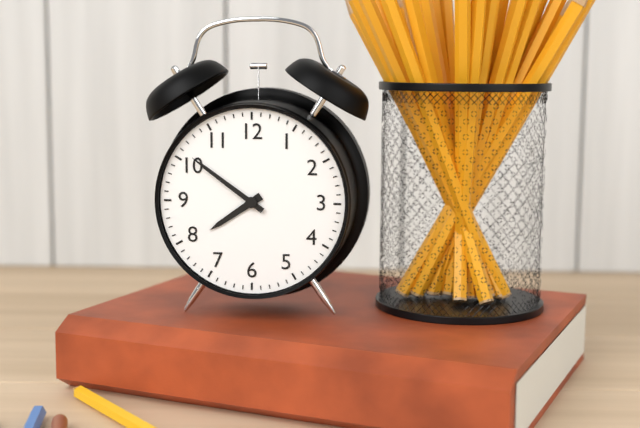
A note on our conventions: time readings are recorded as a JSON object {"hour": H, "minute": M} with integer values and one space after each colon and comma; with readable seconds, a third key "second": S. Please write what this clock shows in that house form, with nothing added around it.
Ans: {"hour": 7, "minute": 51}
